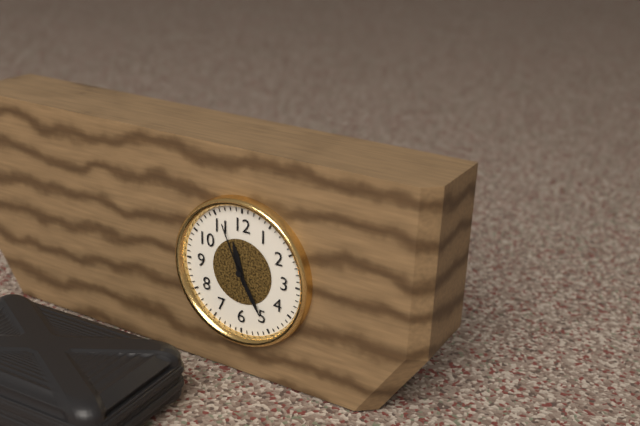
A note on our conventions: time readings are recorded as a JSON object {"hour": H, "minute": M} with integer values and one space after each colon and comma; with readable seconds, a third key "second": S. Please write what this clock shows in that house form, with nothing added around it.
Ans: {"hour": 11, "minute": 25, "second": 56}
